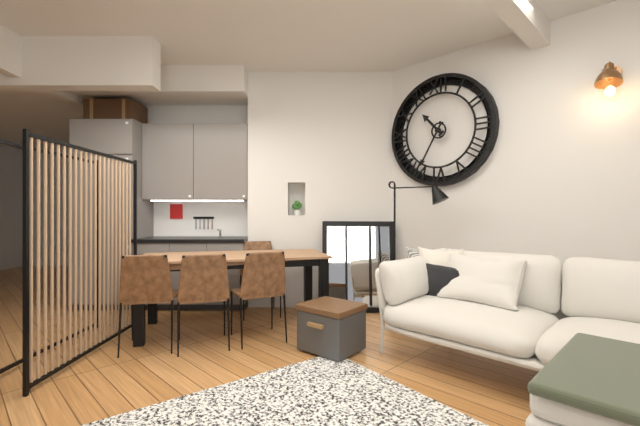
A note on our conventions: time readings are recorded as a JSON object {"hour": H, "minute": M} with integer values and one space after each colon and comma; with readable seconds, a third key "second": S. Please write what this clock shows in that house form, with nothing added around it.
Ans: {"hour": 10, "minute": 35}
